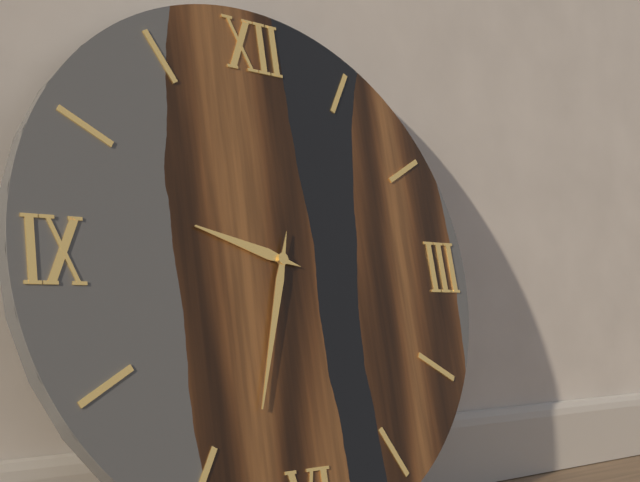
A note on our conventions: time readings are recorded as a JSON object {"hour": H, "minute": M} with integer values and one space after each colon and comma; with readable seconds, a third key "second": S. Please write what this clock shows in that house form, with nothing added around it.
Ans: {"hour": 9, "minute": 33}
